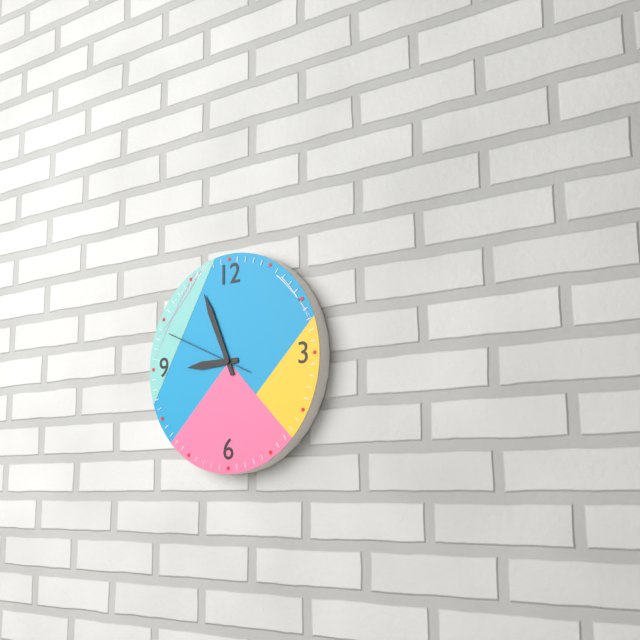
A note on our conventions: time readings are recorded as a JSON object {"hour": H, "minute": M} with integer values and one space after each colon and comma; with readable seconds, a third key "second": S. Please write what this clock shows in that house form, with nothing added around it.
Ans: {"hour": 8, "minute": 56, "second": 49}
